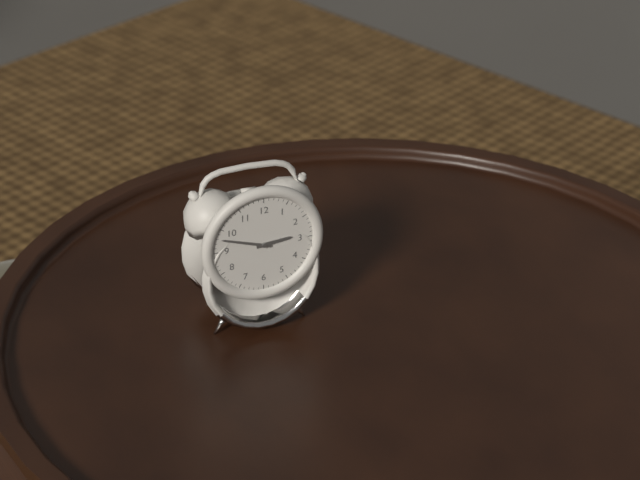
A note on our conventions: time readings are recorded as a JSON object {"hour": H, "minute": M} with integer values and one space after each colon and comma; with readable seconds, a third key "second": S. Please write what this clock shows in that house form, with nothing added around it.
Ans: {"hour": 2, "minute": 48}
